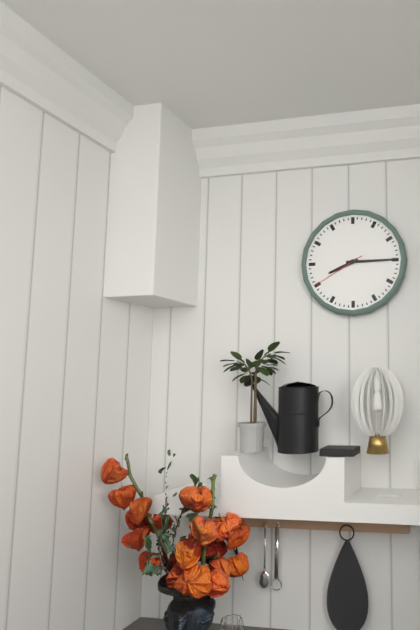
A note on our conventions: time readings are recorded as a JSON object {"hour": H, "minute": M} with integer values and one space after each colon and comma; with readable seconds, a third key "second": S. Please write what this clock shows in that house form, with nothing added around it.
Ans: {"hour": 8, "minute": 15, "second": 40}
